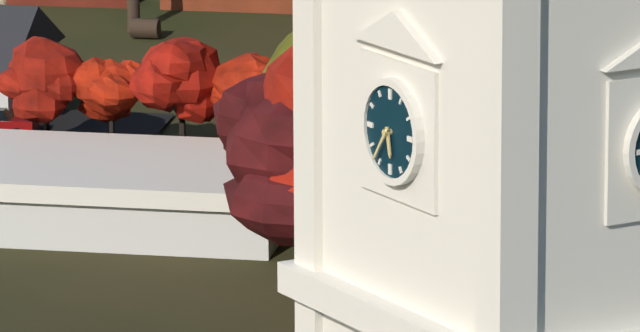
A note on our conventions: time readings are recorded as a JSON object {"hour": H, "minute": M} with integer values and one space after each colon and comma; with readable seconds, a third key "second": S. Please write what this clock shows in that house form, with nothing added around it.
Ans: {"hour": 5, "minute": 36}
